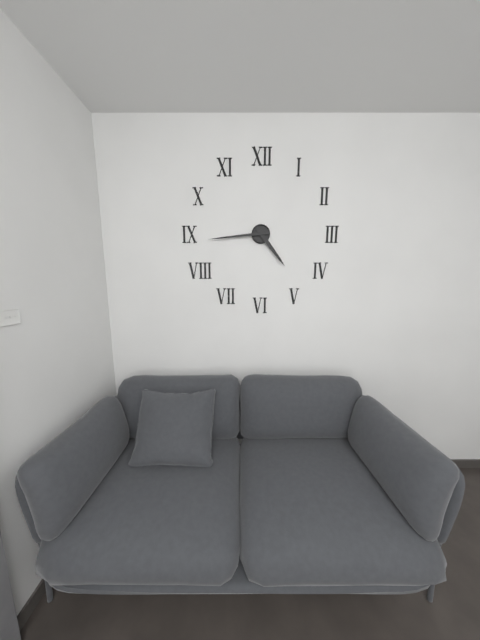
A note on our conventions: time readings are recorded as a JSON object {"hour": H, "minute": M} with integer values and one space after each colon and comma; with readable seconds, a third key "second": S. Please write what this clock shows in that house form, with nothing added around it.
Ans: {"hour": 4, "minute": 44}
